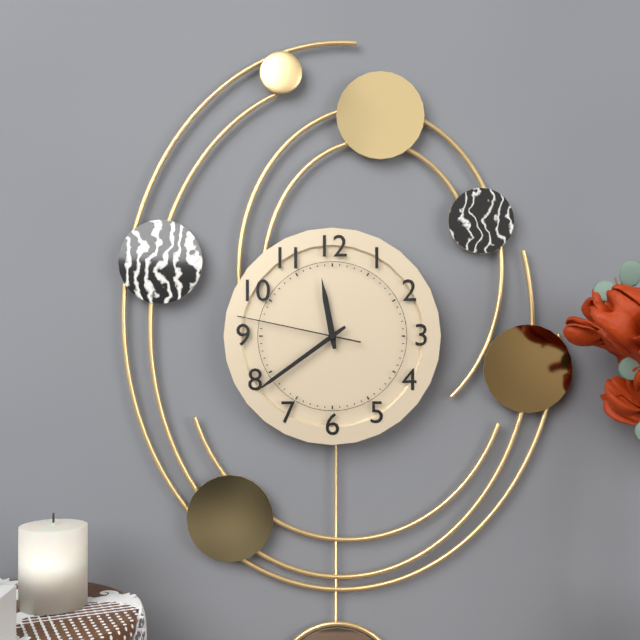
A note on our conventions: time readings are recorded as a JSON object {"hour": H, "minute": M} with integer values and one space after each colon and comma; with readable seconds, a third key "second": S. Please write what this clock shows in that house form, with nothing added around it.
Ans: {"hour": 11, "minute": 39, "second": 47}
